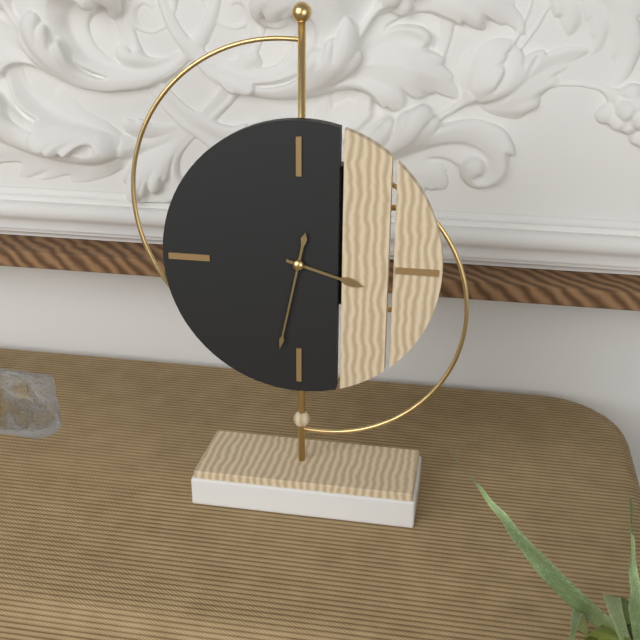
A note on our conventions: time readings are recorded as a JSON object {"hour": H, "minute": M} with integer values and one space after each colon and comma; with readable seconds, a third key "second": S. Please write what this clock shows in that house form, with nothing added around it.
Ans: {"hour": 3, "minute": 32}
